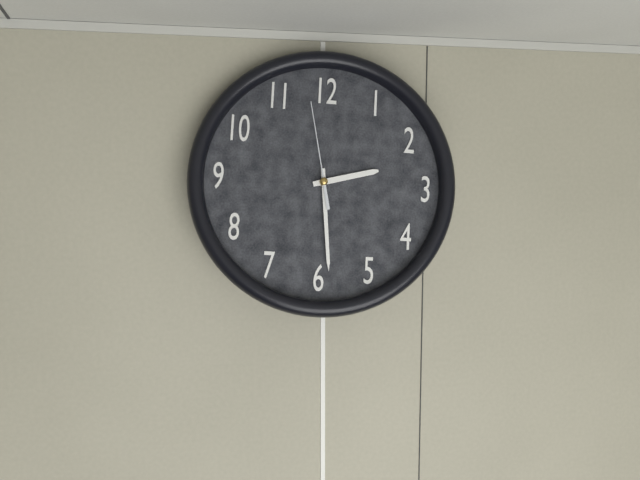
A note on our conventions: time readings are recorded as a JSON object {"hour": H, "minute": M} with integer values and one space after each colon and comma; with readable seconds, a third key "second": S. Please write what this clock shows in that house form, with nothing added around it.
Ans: {"hour": 2, "minute": 29, "second": 58}
